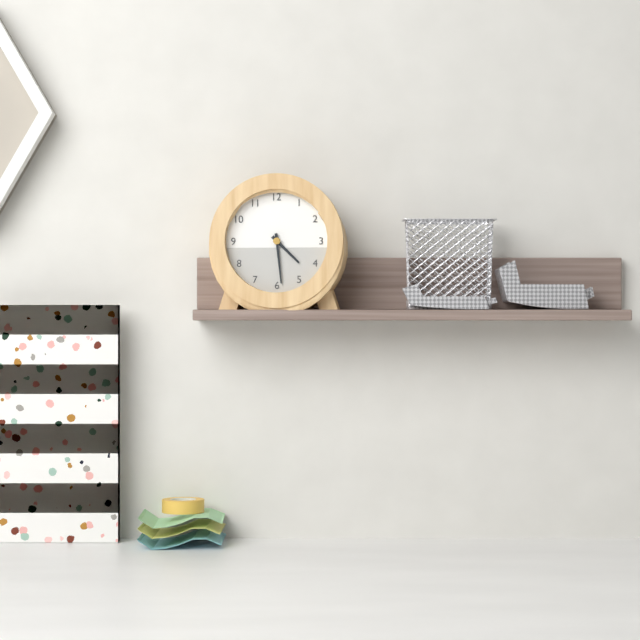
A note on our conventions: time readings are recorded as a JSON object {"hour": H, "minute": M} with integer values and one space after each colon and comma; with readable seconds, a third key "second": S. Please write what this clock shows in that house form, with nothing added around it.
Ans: {"hour": 4, "minute": 29}
